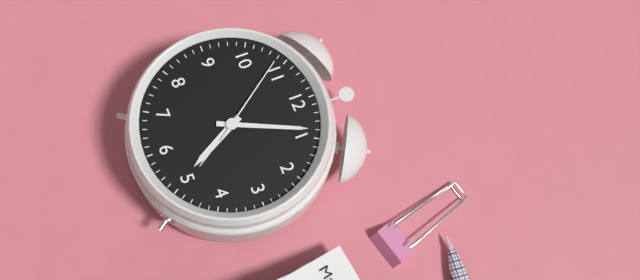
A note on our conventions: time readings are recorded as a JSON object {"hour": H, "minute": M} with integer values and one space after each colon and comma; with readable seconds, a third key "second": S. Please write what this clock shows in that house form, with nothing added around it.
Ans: {"hour": 5, "minute": 4, "second": 54}
